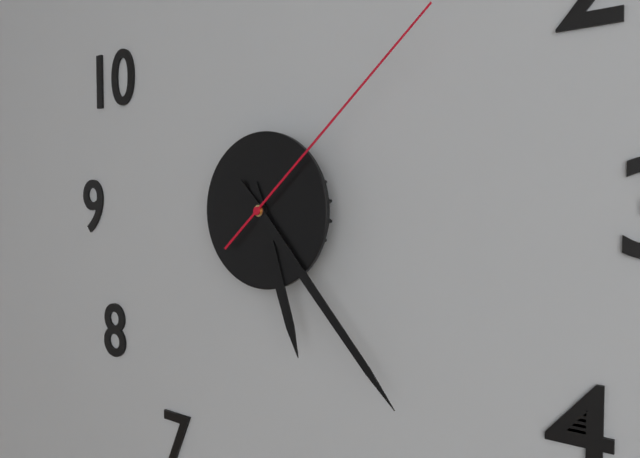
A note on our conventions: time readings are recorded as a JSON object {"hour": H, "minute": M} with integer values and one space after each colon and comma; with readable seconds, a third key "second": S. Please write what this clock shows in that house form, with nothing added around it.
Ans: {"hour": 5, "minute": 23, "second": 8}
